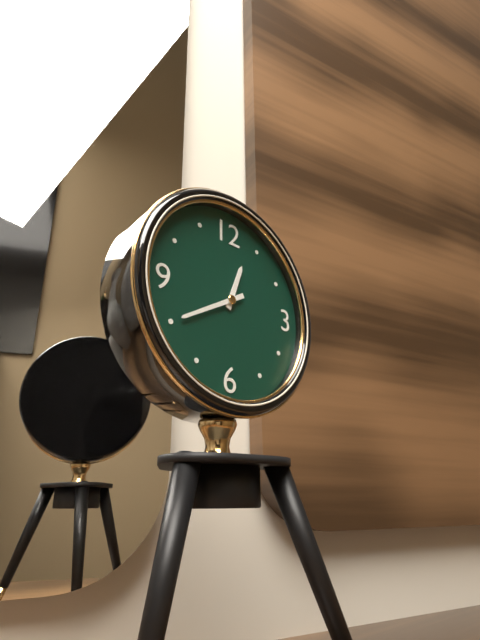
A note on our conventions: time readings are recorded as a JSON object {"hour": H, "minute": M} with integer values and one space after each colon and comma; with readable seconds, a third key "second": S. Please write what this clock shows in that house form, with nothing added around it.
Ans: {"hour": 12, "minute": 40}
